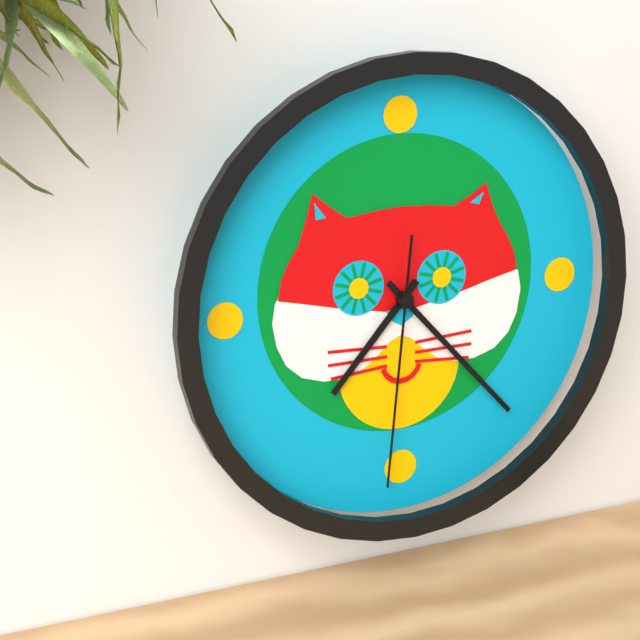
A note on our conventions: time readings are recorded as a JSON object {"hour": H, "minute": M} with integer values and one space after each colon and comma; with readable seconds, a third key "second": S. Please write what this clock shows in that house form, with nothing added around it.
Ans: {"hour": 7, "minute": 23, "second": 31}
